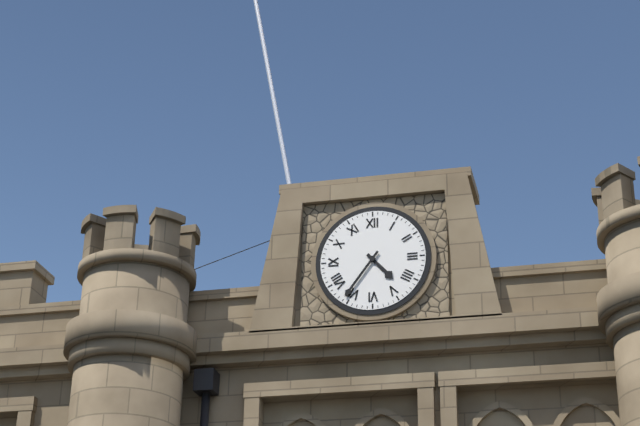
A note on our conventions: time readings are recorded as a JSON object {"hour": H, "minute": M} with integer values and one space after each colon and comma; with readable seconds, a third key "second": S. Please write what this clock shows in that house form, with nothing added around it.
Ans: {"hour": 4, "minute": 36}
